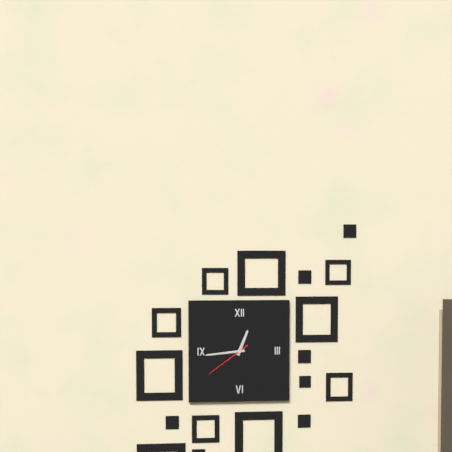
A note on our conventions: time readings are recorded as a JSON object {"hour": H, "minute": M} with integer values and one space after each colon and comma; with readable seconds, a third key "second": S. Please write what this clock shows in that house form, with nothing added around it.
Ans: {"hour": 12, "minute": 44}
